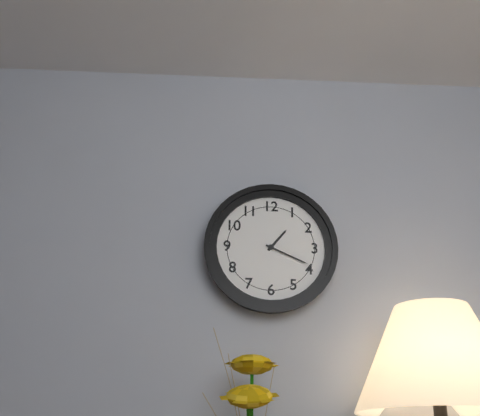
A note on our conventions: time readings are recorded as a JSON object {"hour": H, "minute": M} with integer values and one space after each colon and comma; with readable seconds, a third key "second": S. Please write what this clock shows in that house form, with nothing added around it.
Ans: {"hour": 1, "minute": 19}
